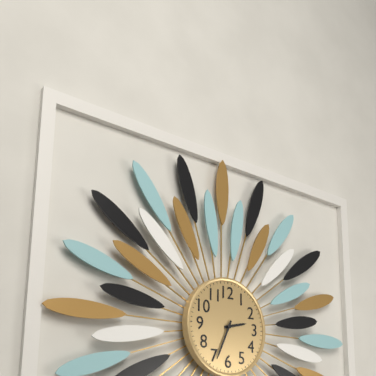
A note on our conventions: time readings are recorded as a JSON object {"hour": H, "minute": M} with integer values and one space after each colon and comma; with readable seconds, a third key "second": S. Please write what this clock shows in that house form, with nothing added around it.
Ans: {"hour": 2, "minute": 34}
